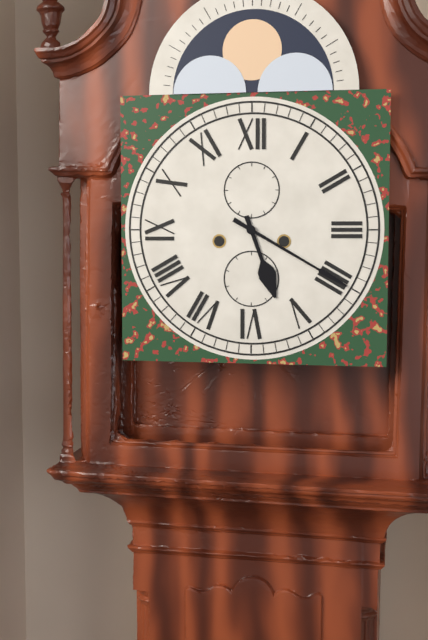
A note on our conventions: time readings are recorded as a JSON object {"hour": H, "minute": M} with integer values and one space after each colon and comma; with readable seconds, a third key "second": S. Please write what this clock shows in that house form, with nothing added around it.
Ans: {"hour": 5, "minute": 20}
